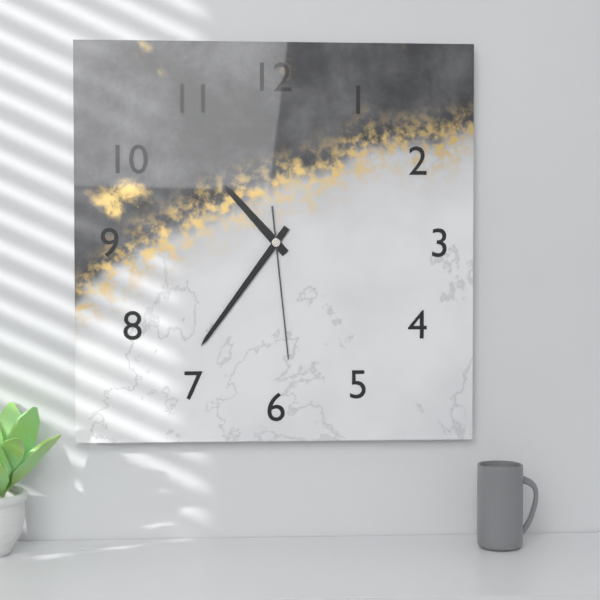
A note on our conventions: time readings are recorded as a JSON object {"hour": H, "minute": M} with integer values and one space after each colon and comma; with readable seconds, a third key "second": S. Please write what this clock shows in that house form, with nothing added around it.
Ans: {"hour": 10, "minute": 36, "second": 29}
